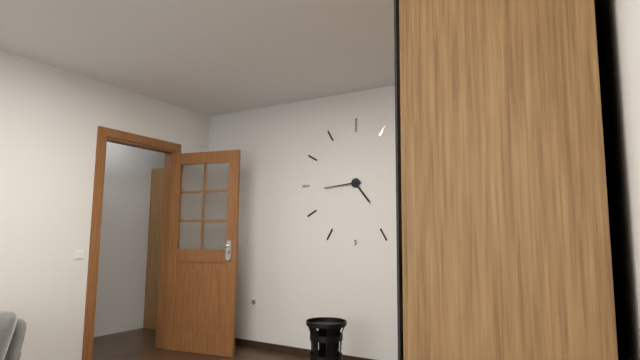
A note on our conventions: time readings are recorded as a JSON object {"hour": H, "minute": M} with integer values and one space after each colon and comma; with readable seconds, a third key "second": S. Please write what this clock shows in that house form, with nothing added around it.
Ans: {"hour": 4, "minute": 44}
